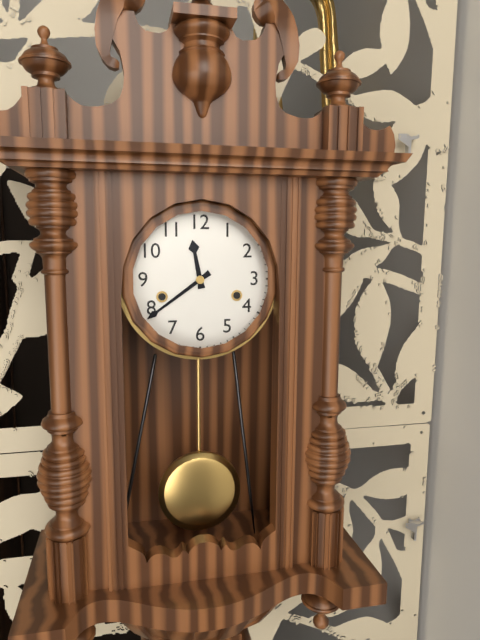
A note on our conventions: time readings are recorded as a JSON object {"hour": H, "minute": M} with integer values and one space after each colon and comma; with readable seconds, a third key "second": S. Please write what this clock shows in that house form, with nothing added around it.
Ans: {"hour": 11, "minute": 39}
